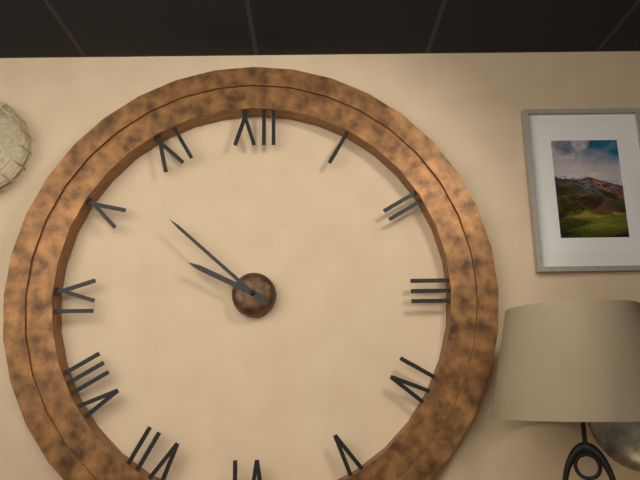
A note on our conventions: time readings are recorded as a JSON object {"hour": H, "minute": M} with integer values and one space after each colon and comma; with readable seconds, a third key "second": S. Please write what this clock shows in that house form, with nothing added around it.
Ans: {"hour": 9, "minute": 52}
